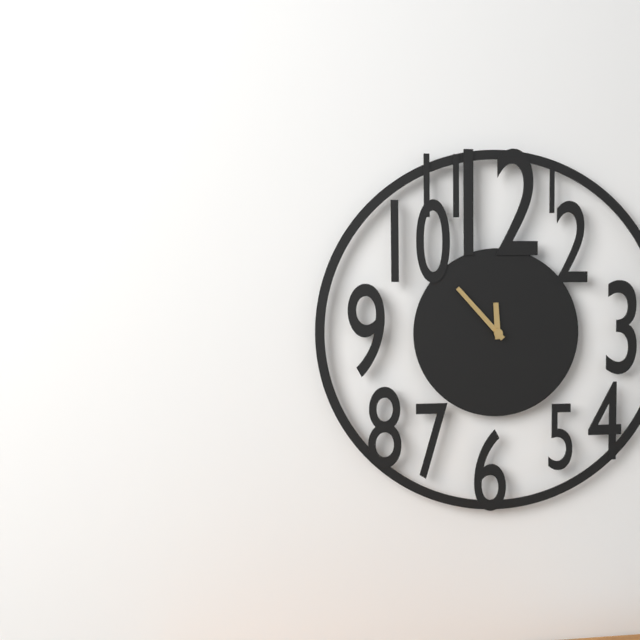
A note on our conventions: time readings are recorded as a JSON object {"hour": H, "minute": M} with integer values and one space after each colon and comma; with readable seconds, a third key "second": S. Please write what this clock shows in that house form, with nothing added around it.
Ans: {"hour": 11, "minute": 53}
